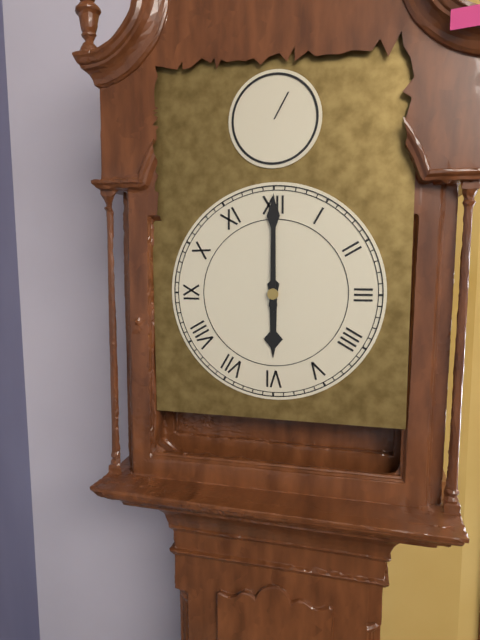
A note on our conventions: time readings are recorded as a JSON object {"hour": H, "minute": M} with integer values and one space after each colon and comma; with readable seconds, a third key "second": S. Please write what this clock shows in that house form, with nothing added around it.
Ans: {"hour": 6, "minute": 0}
